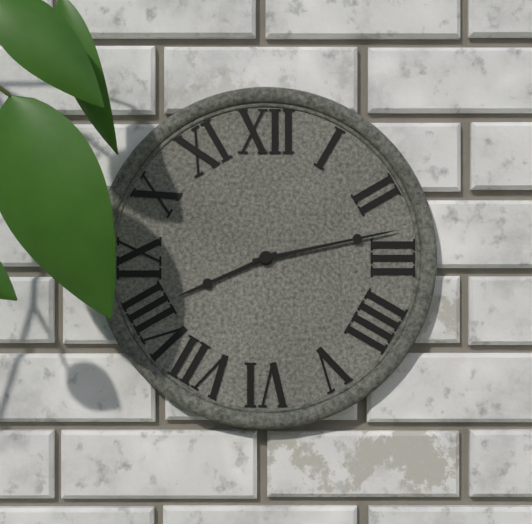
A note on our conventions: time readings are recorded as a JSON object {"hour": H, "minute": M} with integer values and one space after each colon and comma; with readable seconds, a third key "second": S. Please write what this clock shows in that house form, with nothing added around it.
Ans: {"hour": 8, "minute": 13}
